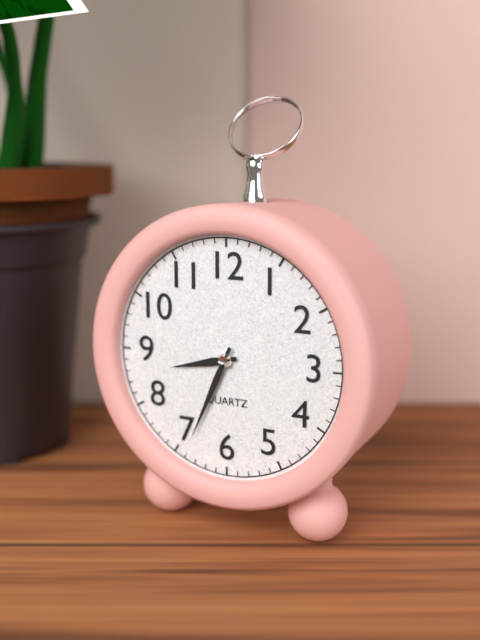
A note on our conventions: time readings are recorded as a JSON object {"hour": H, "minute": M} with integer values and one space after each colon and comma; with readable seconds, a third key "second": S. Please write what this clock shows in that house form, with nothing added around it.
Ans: {"hour": 8, "minute": 34}
